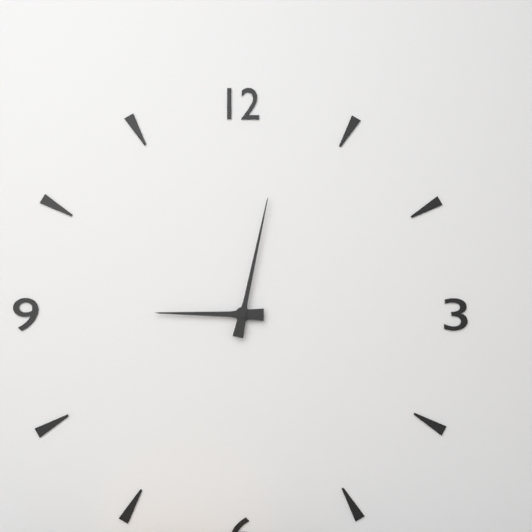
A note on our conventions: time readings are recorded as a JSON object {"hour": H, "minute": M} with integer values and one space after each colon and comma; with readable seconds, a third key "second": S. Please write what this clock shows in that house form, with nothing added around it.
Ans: {"hour": 9, "minute": 2}
